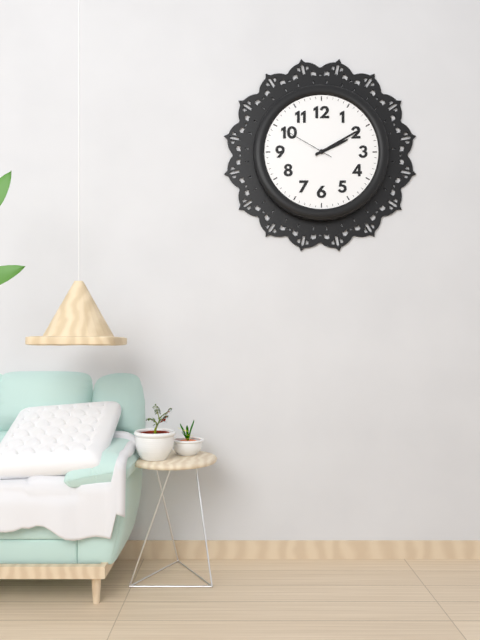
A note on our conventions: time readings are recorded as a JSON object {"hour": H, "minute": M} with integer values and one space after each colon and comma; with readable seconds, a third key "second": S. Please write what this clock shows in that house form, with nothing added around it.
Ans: {"hour": 2, "minute": 10, "second": 50}
